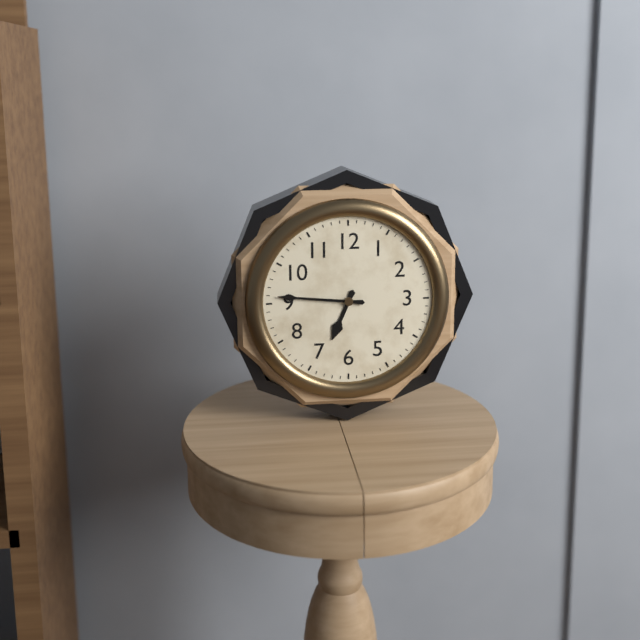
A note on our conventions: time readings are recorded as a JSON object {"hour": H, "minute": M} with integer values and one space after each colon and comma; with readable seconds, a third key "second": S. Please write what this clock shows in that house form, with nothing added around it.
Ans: {"hour": 6, "minute": 46}
